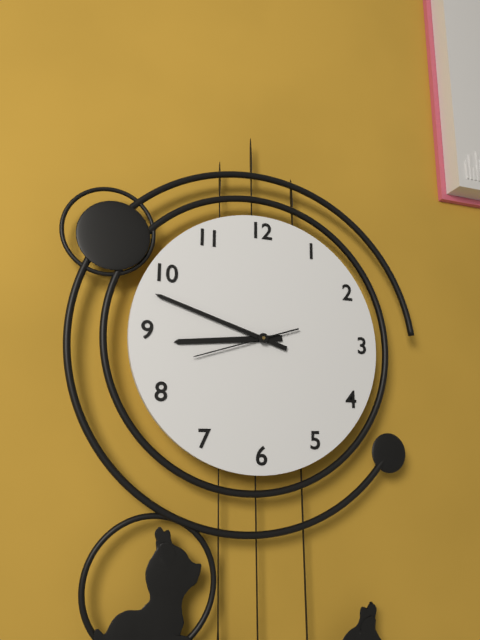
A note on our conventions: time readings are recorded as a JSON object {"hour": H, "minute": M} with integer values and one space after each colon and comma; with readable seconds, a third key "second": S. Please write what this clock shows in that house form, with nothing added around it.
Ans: {"hour": 8, "minute": 48, "second": 42}
